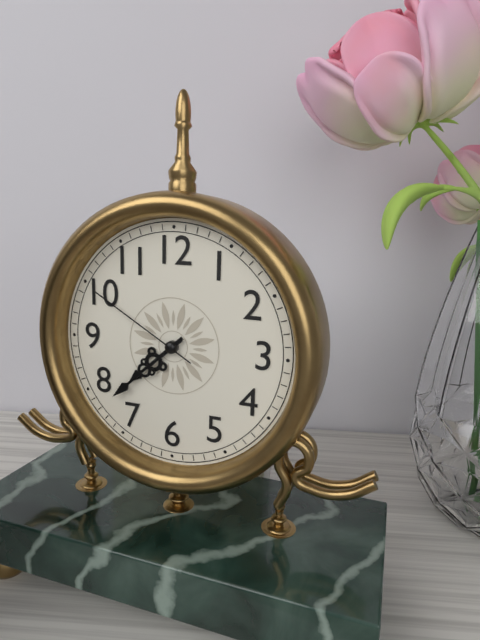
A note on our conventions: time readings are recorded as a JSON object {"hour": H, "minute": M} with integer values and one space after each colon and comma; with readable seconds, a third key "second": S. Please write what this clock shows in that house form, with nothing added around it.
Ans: {"hour": 7, "minute": 38, "second": 50}
